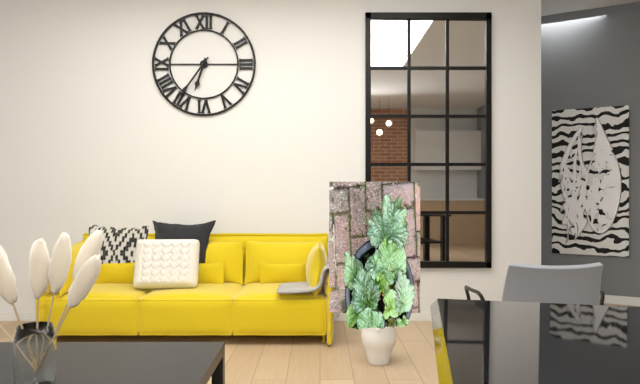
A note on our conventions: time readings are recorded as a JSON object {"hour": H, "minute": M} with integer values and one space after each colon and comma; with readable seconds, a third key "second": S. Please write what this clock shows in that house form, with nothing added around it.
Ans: {"hour": 6, "minute": 36}
